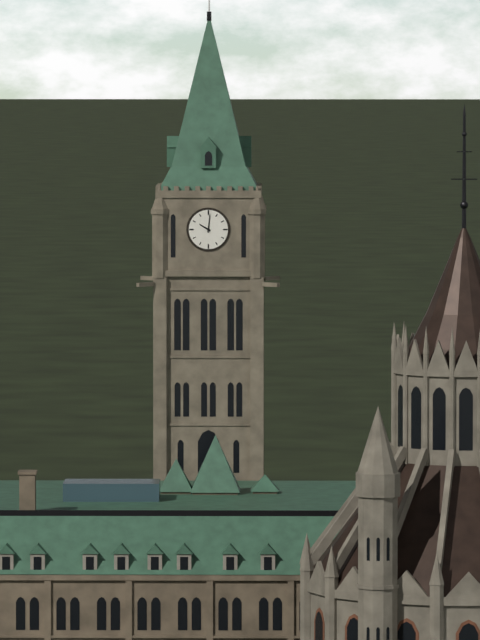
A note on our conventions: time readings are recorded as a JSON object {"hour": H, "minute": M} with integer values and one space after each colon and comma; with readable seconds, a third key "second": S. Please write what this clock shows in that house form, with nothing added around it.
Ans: {"hour": 10, "minute": 1}
